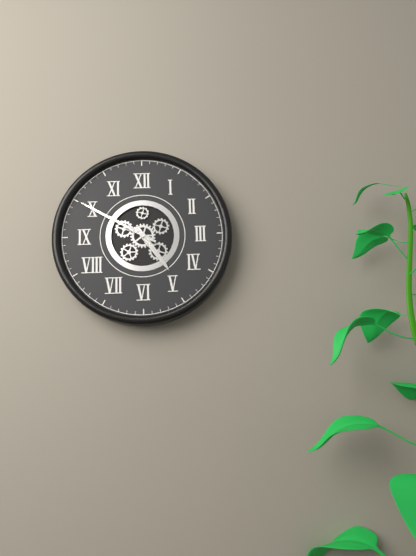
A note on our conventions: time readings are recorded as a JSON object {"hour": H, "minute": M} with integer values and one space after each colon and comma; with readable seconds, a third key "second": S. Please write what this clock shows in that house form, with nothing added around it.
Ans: {"hour": 4, "minute": 50}
